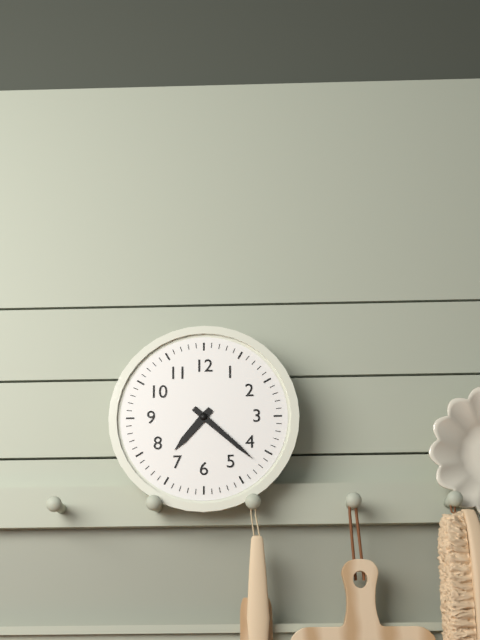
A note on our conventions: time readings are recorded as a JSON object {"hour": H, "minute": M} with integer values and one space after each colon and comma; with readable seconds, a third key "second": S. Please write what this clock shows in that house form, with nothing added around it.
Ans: {"hour": 7, "minute": 22}
